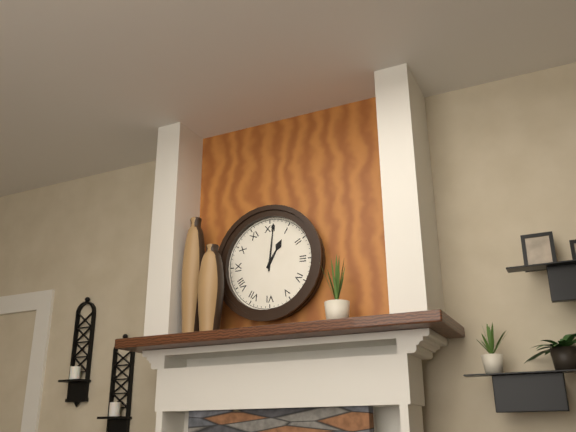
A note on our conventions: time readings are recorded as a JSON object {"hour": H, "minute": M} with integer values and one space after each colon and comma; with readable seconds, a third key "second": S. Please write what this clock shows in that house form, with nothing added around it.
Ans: {"hour": 1, "minute": 1}
